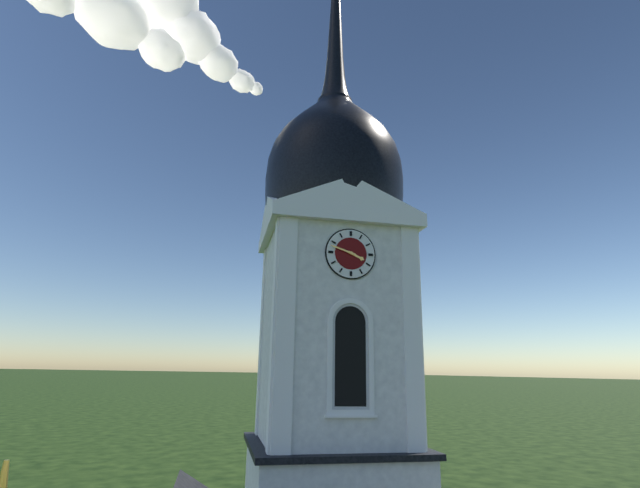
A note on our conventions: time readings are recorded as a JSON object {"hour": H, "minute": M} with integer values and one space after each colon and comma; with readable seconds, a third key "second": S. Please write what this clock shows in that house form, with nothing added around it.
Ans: {"hour": 3, "minute": 48}
